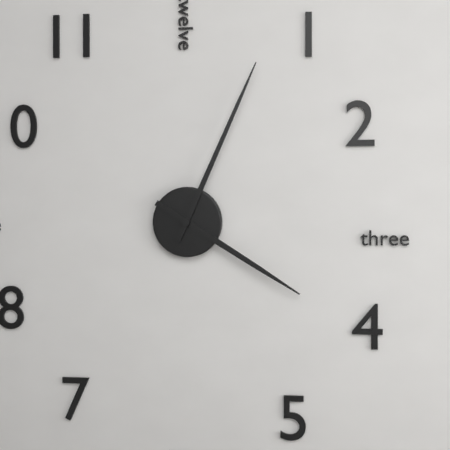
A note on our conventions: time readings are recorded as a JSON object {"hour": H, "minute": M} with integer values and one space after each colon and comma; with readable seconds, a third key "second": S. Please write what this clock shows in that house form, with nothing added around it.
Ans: {"hour": 4, "minute": 4}
